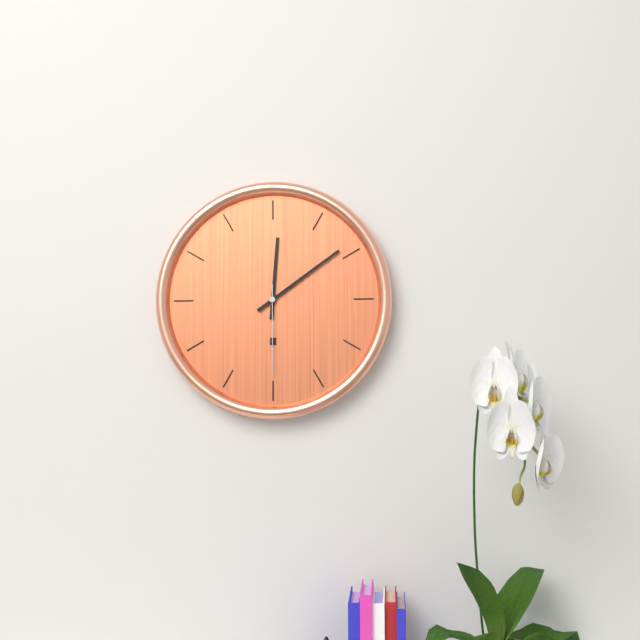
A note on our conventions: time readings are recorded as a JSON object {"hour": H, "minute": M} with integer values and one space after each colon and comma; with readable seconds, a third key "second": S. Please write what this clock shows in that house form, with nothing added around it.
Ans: {"hour": 12, "minute": 9, "second": 30}
